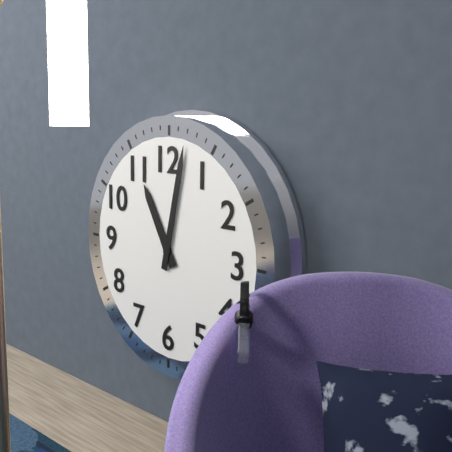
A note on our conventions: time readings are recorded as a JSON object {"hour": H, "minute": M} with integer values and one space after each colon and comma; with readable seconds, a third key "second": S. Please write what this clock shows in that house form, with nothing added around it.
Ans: {"hour": 11, "minute": 2}
